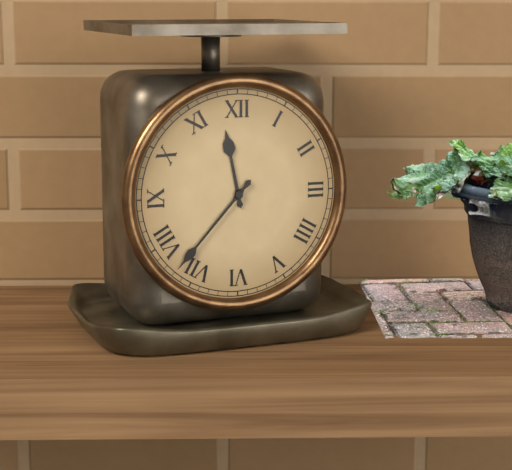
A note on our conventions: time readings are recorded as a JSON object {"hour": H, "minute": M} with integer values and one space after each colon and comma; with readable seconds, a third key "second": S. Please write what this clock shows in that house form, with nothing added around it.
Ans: {"hour": 11, "minute": 37}
